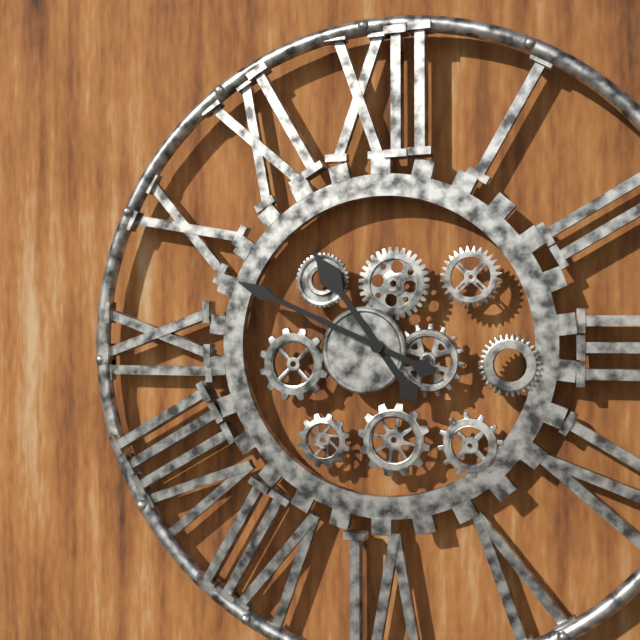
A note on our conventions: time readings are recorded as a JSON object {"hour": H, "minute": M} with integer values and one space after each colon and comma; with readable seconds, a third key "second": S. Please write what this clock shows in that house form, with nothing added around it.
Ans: {"hour": 10, "minute": 49}
